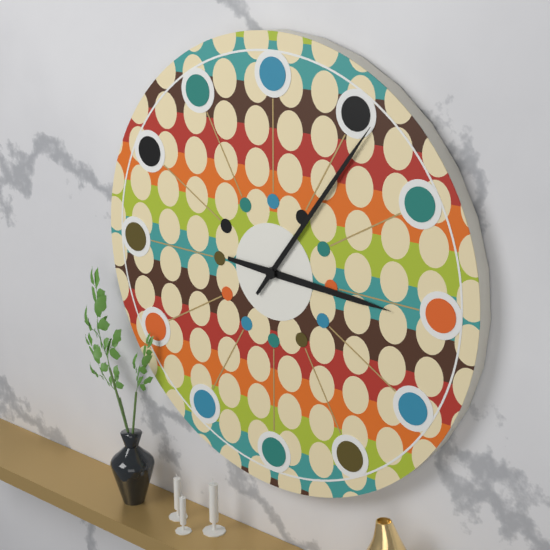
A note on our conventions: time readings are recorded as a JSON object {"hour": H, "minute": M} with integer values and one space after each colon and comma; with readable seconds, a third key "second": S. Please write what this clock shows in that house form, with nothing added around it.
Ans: {"hour": 3, "minute": 6}
